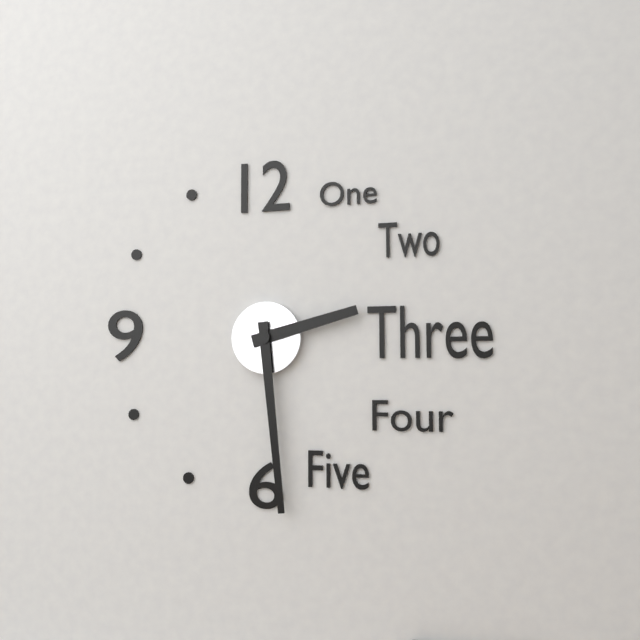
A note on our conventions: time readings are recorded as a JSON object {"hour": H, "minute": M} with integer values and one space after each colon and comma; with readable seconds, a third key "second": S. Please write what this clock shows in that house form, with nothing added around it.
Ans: {"hour": 2, "minute": 29}
